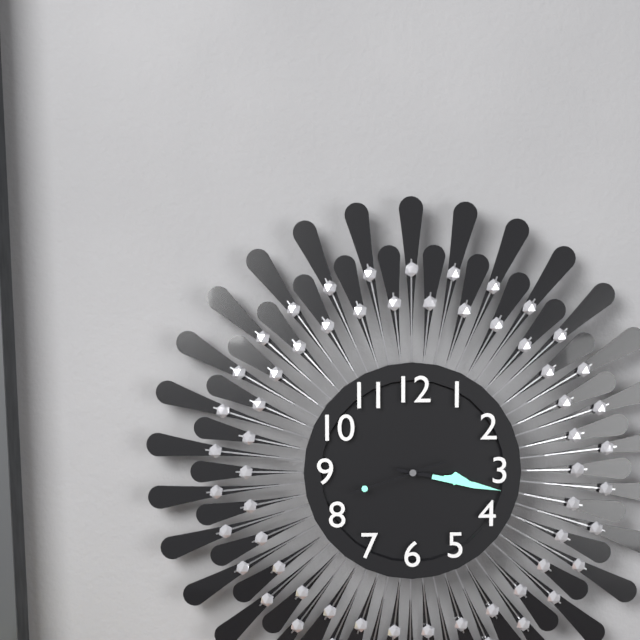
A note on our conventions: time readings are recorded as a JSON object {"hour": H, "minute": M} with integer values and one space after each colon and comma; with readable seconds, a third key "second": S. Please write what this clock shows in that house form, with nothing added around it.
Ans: {"hour": 3, "minute": 17, "second": 42}
